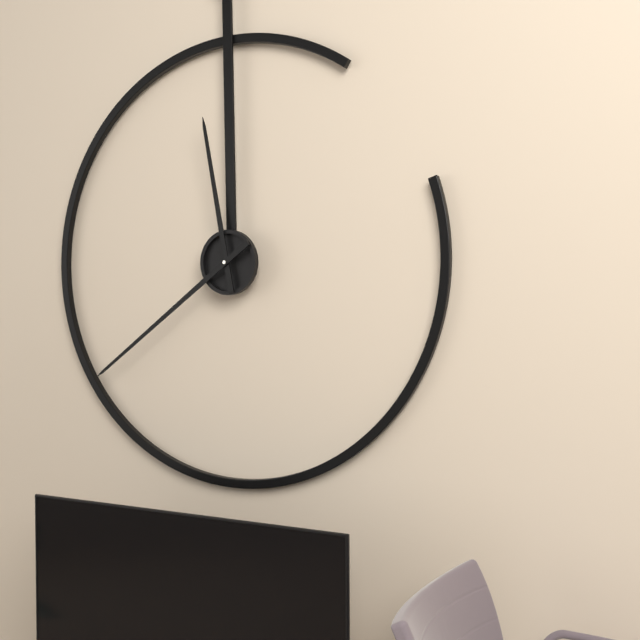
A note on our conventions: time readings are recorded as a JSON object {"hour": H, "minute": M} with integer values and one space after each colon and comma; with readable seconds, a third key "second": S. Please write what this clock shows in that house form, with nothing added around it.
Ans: {"hour": 11, "minute": 39}
